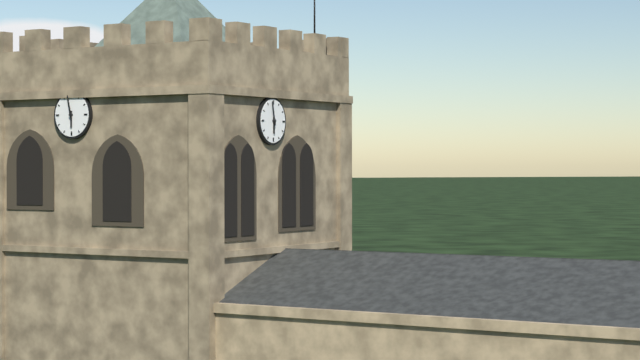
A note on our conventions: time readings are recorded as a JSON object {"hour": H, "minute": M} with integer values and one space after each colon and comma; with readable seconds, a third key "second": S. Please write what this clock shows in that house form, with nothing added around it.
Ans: {"hour": 5, "minute": 58}
